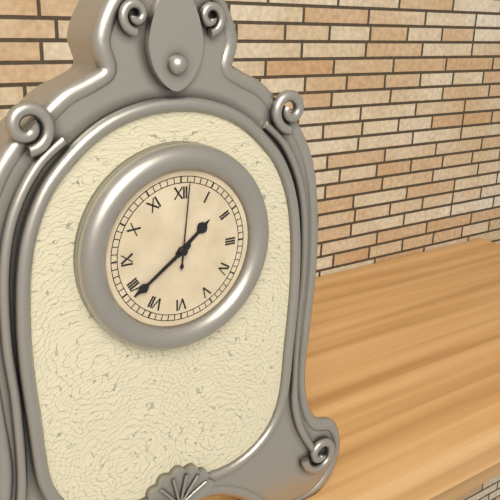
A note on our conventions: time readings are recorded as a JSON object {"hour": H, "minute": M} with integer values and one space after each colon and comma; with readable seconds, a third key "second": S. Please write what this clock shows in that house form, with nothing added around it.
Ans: {"hour": 1, "minute": 39, "second": 1}
